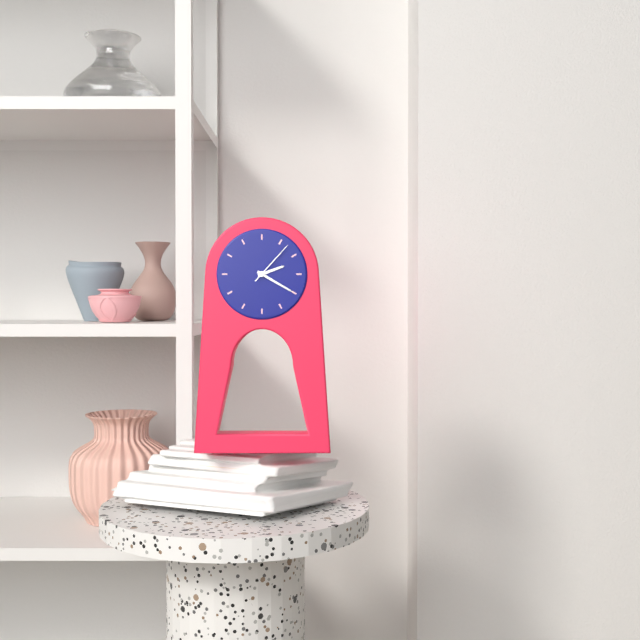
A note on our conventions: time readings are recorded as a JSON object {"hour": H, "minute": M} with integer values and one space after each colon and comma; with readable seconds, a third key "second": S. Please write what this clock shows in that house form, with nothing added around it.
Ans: {"hour": 2, "minute": 20}
